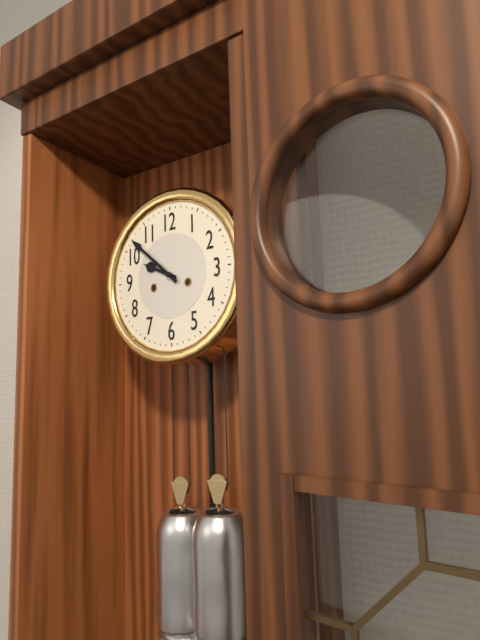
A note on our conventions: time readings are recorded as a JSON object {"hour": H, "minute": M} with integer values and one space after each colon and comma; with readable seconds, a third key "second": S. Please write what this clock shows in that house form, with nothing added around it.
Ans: {"hour": 9, "minute": 52}
